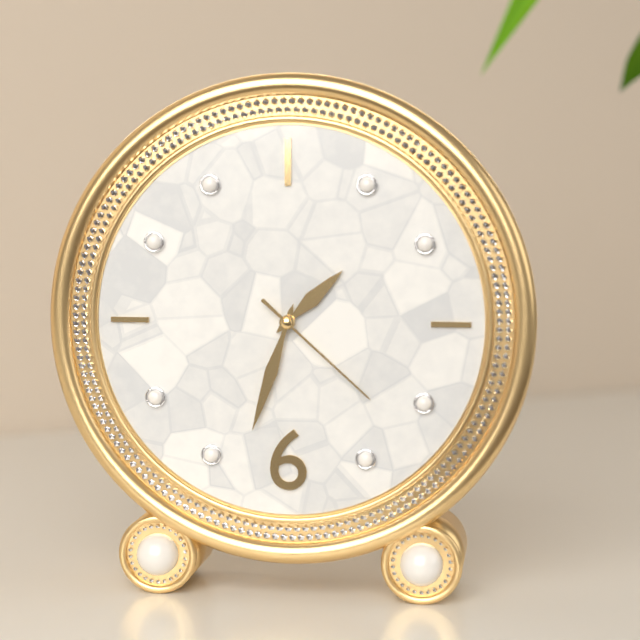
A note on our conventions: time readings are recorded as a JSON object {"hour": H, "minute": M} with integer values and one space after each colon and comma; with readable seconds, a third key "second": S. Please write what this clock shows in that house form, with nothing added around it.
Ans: {"hour": 1, "minute": 33, "second": 22}
